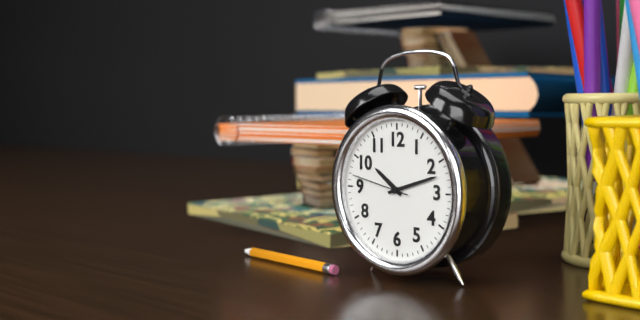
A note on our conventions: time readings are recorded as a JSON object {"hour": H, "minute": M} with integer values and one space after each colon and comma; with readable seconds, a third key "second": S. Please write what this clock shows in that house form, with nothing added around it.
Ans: {"hour": 10, "minute": 12, "second": 47}
